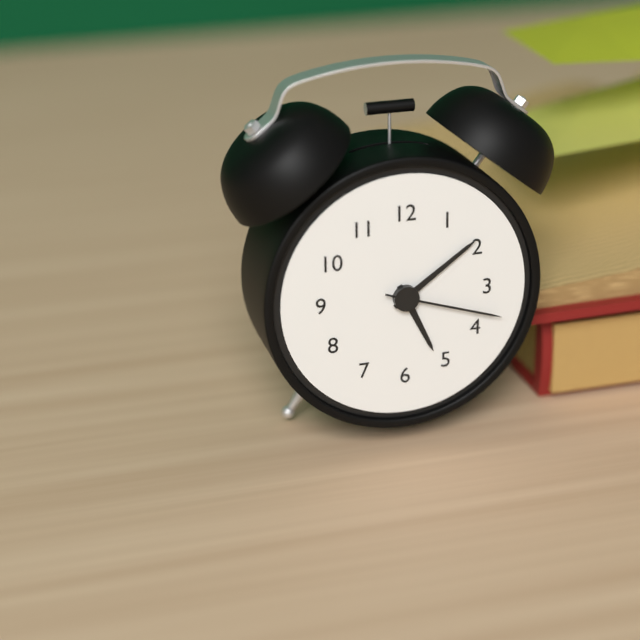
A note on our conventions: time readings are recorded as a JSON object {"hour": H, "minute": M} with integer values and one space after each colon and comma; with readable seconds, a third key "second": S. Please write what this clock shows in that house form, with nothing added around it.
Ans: {"hour": 5, "minute": 9, "second": 18}
